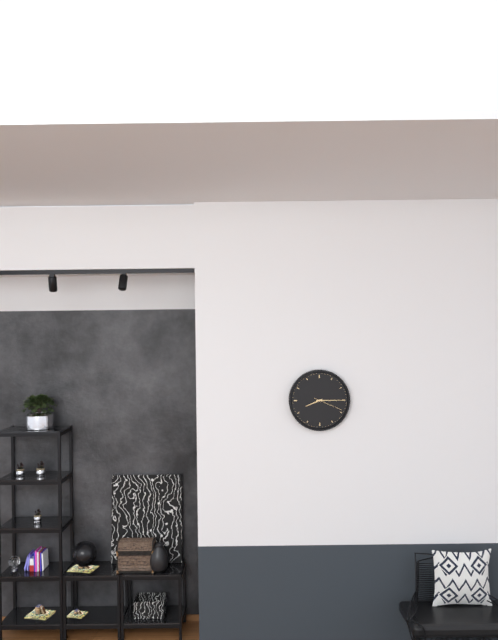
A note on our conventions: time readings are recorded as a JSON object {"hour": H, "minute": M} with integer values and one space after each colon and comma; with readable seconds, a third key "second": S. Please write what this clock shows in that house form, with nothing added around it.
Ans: {"hour": 8, "minute": 15}
